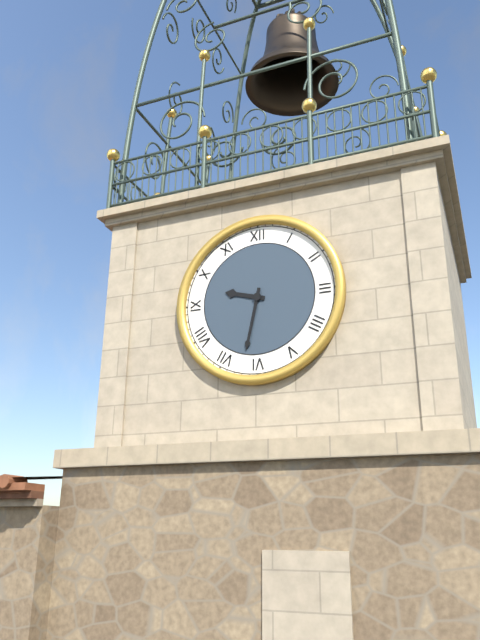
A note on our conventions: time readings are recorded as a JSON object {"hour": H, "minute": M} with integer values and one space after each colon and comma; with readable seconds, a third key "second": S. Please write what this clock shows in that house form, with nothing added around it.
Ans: {"hour": 9, "minute": 32}
